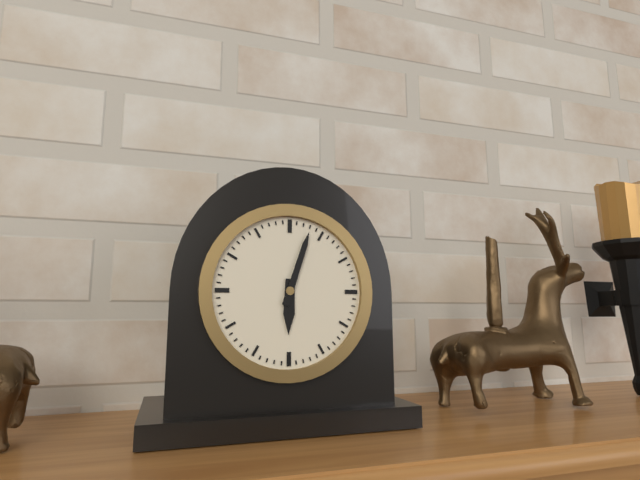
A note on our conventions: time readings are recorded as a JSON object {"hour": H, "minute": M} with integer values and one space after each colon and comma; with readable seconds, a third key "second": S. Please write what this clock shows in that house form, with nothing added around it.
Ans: {"hour": 6, "minute": 3}
